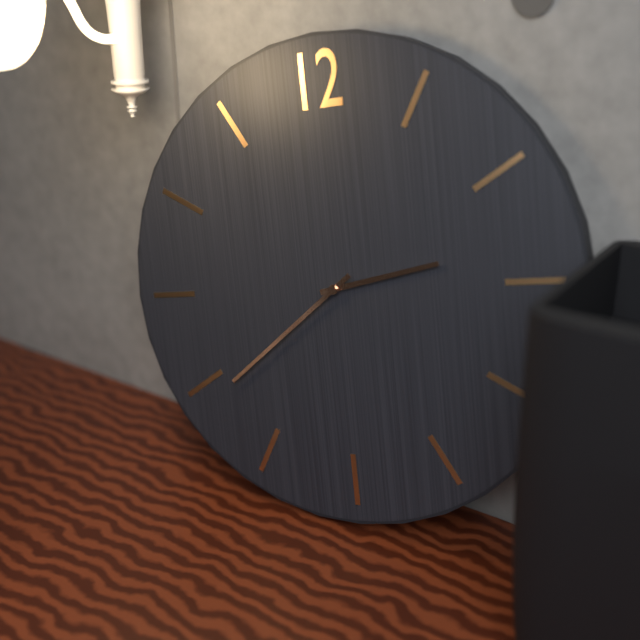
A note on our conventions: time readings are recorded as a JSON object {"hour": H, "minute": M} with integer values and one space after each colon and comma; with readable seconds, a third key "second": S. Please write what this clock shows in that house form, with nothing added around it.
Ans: {"hour": 2, "minute": 39}
